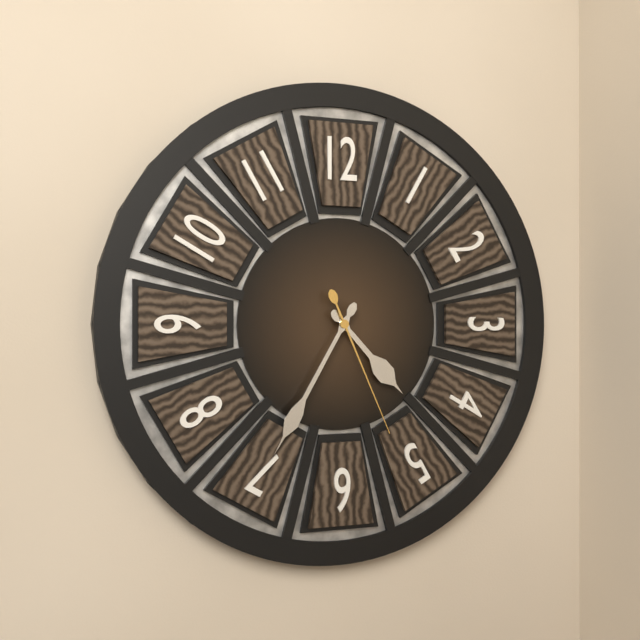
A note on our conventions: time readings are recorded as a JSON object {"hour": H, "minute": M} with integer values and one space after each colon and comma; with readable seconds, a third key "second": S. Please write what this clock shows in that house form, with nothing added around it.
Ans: {"hour": 4, "minute": 35, "second": 26}
